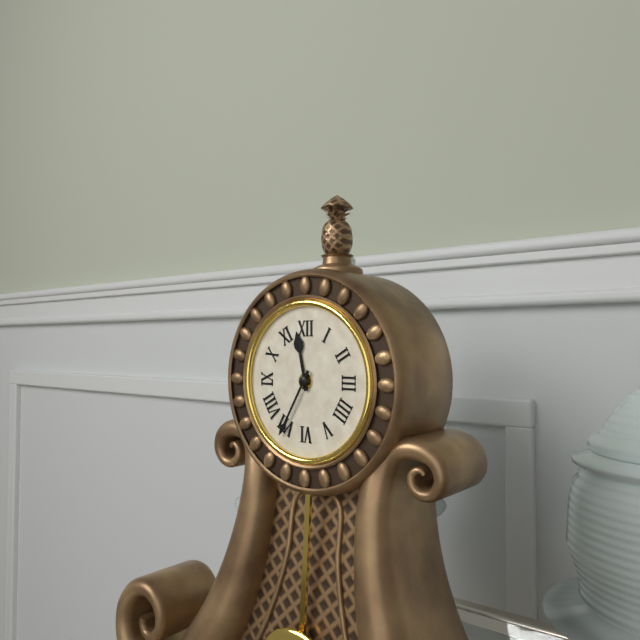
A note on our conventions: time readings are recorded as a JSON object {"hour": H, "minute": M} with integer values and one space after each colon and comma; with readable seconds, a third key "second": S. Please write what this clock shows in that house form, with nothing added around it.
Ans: {"hour": 11, "minute": 35}
